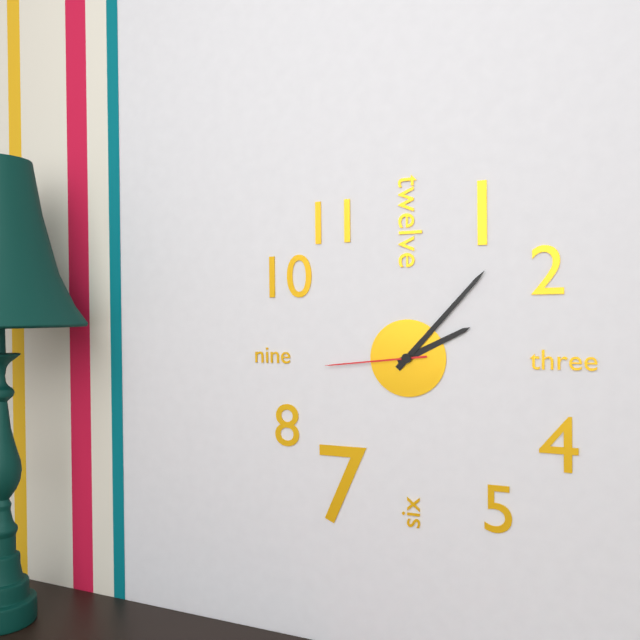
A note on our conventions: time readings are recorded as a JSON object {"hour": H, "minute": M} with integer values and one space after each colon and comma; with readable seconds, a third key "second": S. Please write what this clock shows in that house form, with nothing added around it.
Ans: {"hour": 2, "minute": 7, "second": 44}
